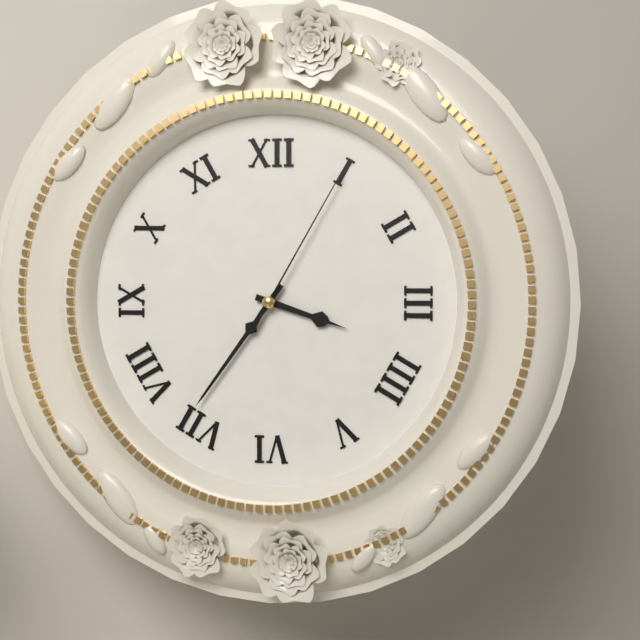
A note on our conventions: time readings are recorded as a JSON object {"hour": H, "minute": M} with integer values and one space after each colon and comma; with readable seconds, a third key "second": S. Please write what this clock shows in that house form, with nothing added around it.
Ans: {"hour": 3, "minute": 36, "second": 5}
